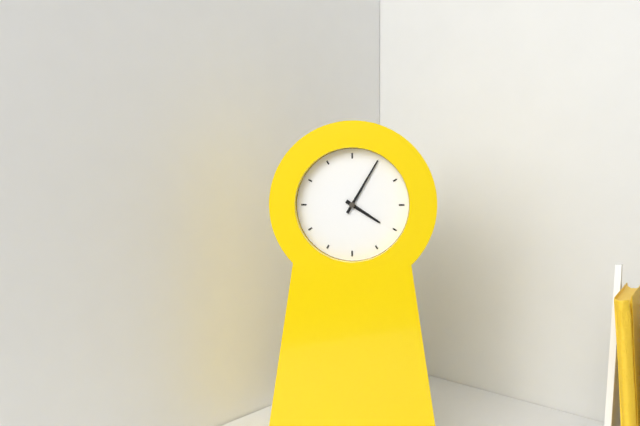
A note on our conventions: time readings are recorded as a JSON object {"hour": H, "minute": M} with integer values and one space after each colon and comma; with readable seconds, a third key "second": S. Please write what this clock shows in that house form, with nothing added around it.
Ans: {"hour": 4, "minute": 5}
